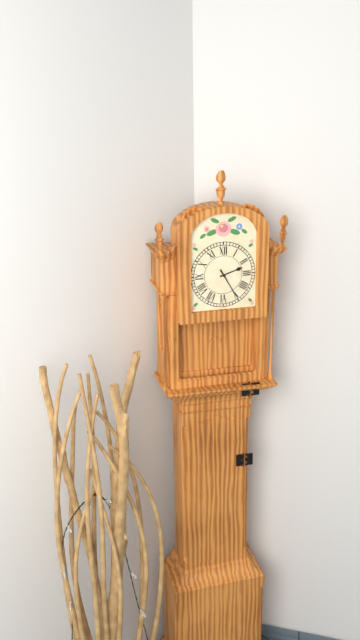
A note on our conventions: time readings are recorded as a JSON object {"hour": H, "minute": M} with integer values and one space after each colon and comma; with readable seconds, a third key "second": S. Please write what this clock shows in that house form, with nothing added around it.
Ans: {"hour": 2, "minute": 25}
